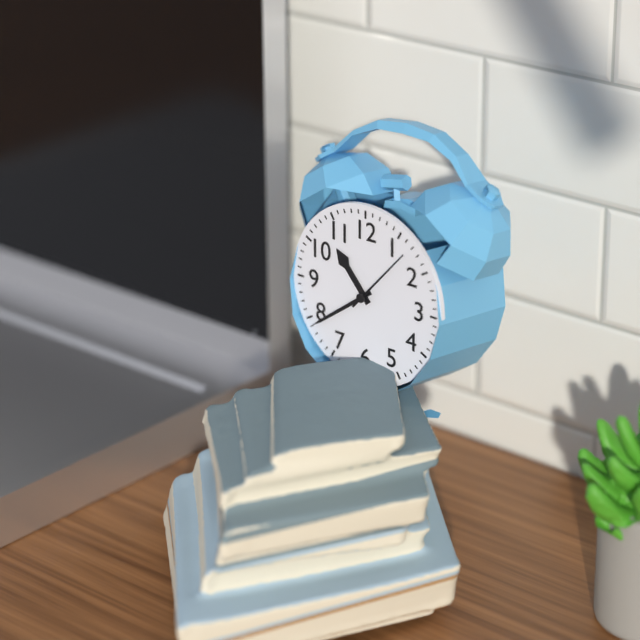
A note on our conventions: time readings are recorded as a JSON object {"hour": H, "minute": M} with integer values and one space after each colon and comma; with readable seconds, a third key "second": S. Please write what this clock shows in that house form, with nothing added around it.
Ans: {"hour": 10, "minute": 39, "second": 7}
